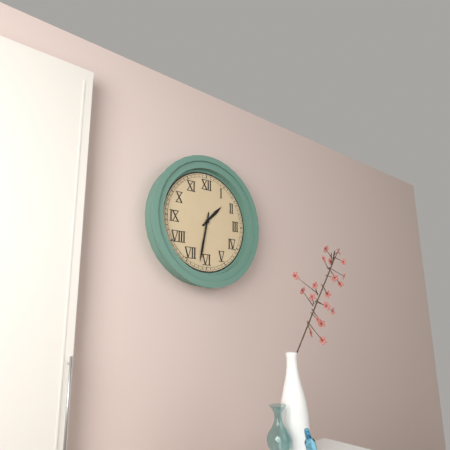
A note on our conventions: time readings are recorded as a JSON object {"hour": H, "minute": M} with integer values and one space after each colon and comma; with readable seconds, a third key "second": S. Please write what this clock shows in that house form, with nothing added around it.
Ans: {"hour": 1, "minute": 32}
